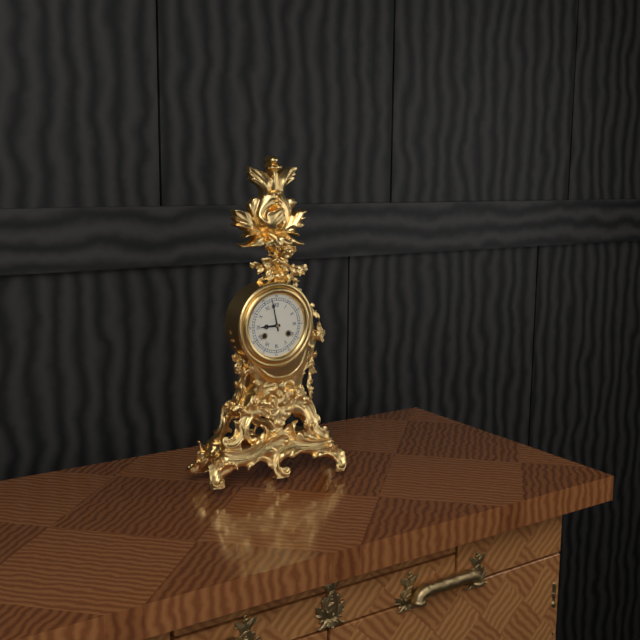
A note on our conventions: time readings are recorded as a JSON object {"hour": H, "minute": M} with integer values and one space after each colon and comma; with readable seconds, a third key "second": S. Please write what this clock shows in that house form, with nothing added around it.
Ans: {"hour": 8, "minute": 58}
